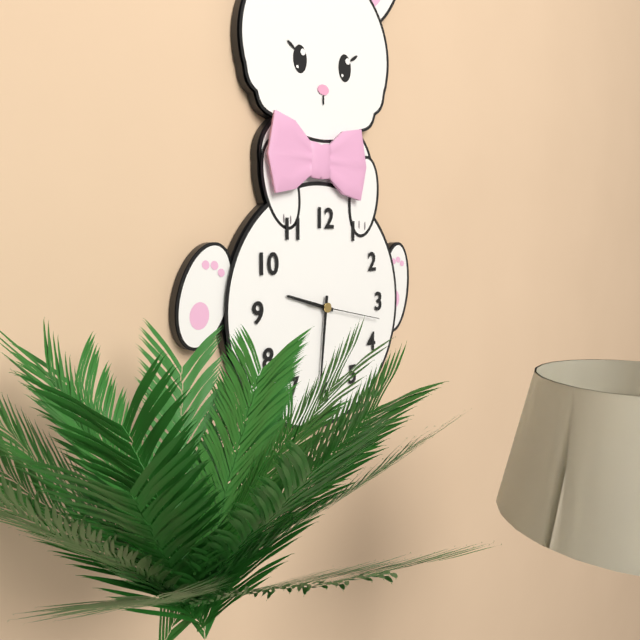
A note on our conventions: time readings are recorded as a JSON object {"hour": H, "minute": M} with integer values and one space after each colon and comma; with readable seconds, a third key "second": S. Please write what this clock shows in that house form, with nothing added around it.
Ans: {"hour": 9, "minute": 31, "second": 17}
